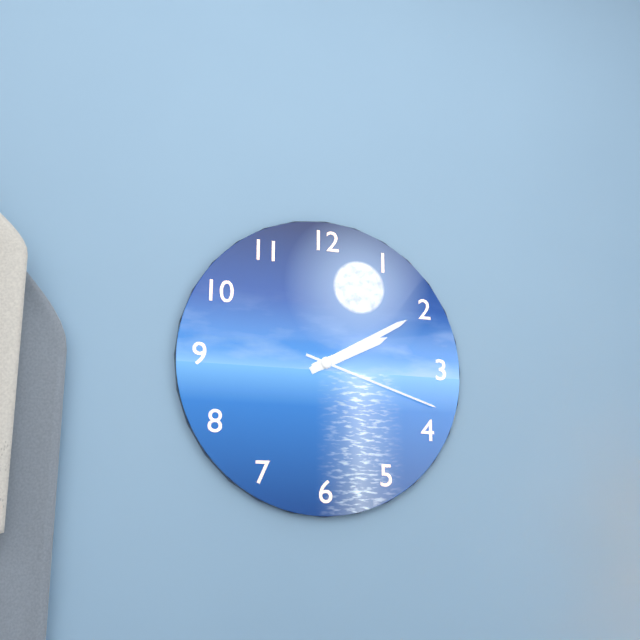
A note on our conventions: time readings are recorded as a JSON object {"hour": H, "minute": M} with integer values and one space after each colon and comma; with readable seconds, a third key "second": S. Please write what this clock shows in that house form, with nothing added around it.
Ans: {"hour": 2, "minute": 10, "second": 18}
